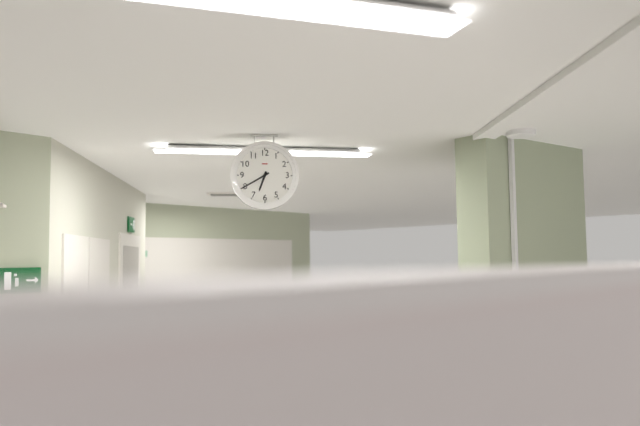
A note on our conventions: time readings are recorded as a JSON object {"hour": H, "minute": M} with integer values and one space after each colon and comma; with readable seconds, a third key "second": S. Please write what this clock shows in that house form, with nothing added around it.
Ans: {"hour": 6, "minute": 40}
